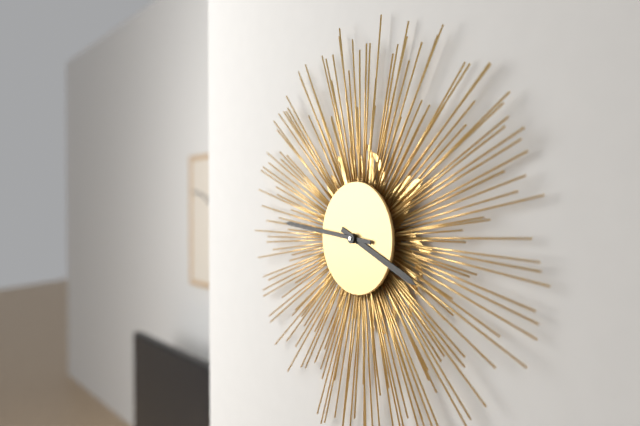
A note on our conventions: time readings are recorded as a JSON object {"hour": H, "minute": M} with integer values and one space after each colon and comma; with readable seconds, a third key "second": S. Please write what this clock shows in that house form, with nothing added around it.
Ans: {"hour": 3, "minute": 46}
